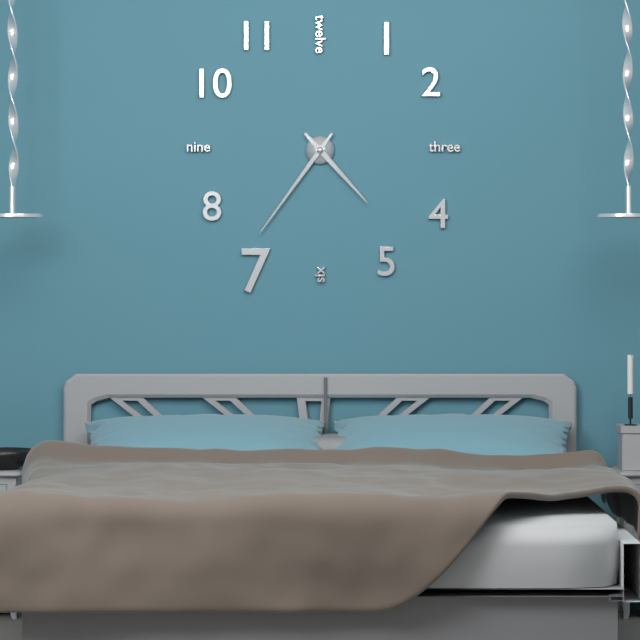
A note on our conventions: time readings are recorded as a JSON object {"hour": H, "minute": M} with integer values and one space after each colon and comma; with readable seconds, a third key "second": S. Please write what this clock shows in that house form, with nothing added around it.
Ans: {"hour": 4, "minute": 36}
